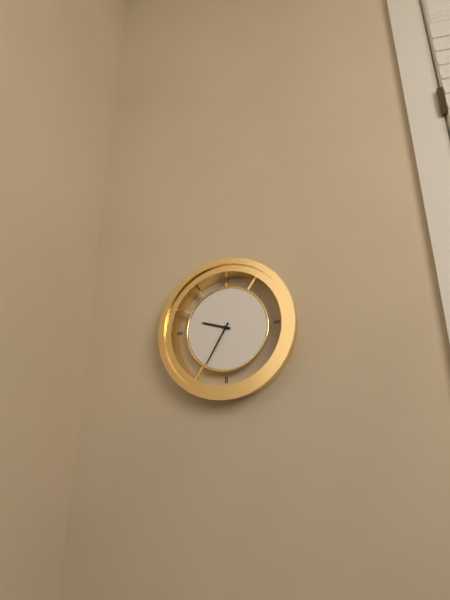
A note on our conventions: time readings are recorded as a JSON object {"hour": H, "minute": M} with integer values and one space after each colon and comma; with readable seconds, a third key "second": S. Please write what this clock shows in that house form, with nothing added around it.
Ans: {"hour": 9, "minute": 35}
